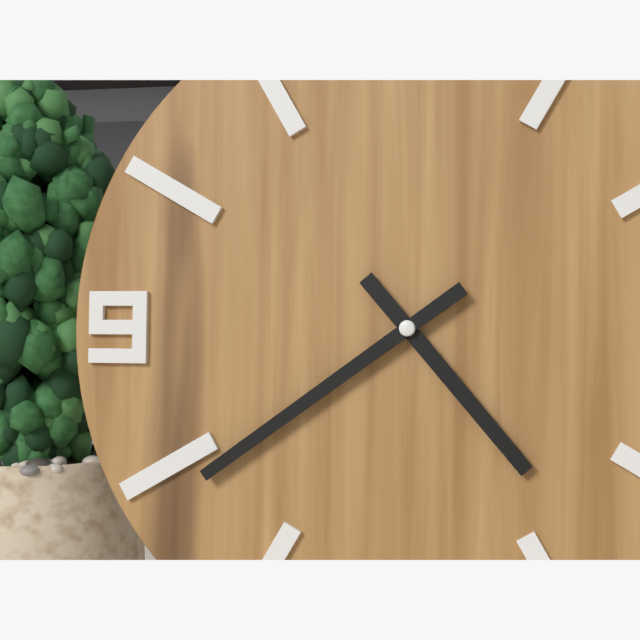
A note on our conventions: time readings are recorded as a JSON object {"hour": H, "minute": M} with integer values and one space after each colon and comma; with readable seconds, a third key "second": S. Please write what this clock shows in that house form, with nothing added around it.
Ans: {"hour": 4, "minute": 39}
